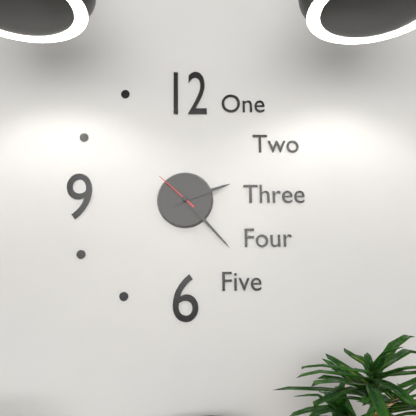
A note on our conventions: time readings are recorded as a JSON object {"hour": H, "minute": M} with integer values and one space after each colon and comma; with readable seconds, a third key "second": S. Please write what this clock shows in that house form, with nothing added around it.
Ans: {"hour": 2, "minute": 23}
